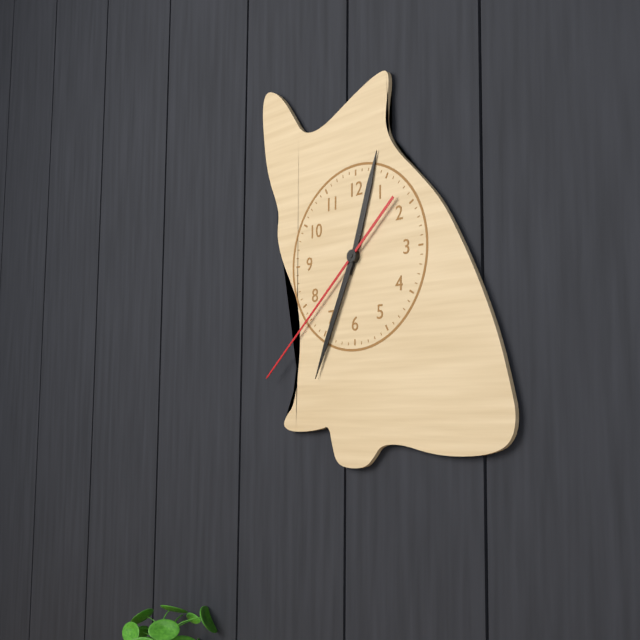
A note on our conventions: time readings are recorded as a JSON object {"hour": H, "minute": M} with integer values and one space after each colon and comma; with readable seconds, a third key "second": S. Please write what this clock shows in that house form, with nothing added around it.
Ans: {"hour": 12, "minute": 34, "second": 38}
